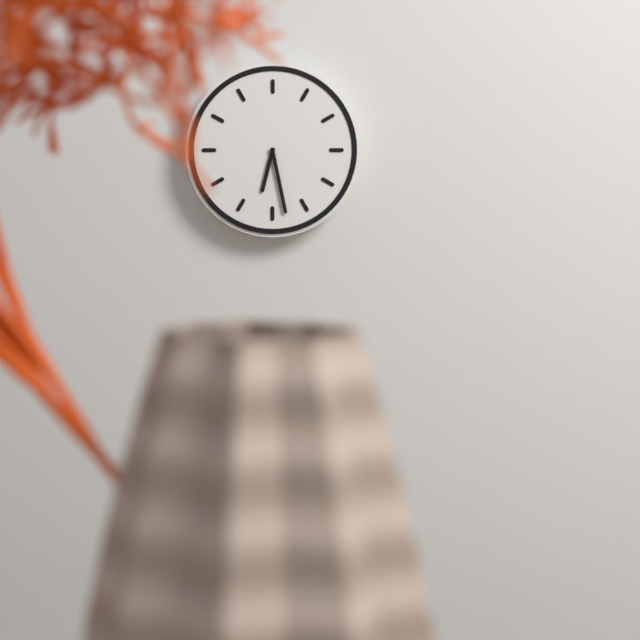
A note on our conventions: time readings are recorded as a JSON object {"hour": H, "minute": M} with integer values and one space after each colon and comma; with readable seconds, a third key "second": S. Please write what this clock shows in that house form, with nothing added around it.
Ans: {"hour": 6, "minute": 28}
